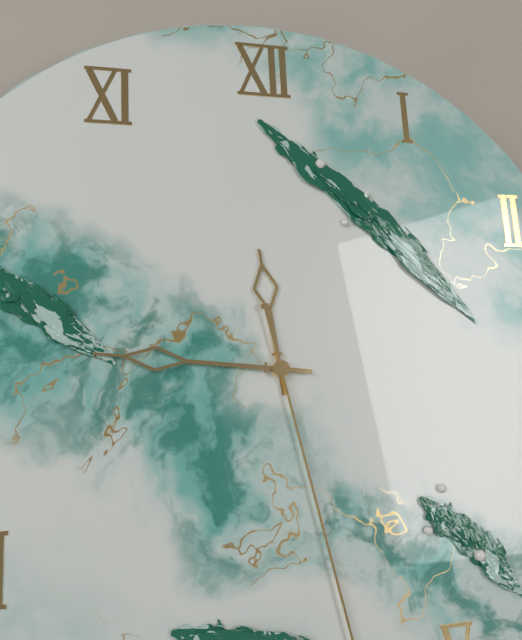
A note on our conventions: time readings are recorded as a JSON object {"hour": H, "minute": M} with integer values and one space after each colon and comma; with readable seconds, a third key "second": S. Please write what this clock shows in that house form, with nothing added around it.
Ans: {"hour": 11, "minute": 46}
